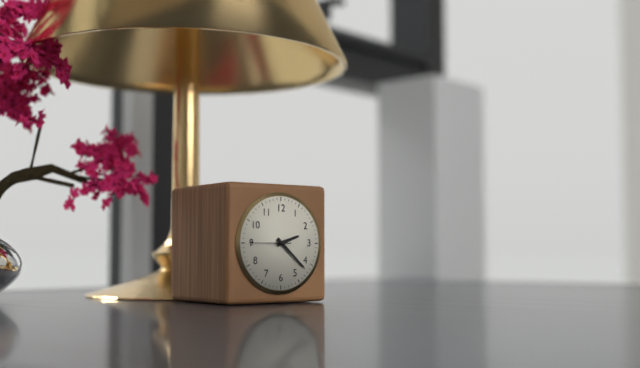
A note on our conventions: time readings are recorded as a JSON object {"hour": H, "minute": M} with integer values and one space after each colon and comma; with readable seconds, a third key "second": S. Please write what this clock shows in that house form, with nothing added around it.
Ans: {"hour": 2, "minute": 22}
